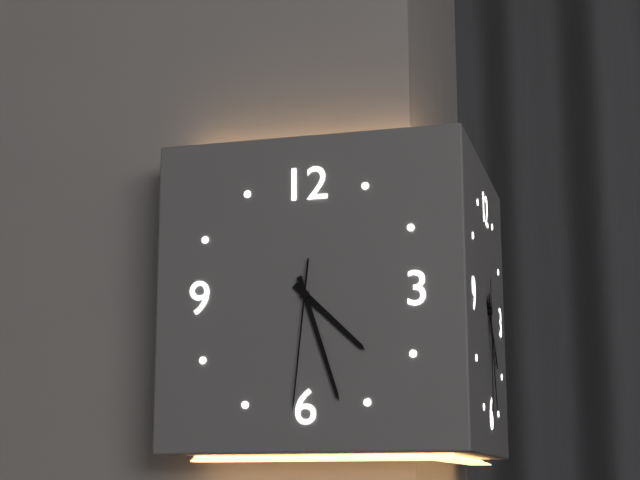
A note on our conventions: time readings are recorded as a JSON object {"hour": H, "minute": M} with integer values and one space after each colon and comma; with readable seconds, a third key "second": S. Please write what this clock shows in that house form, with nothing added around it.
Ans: {"hour": 4, "minute": 27, "second": 31}
